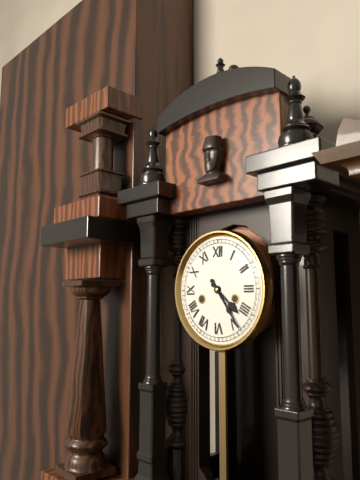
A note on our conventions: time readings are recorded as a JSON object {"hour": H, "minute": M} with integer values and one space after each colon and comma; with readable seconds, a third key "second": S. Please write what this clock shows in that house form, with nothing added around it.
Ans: {"hour": 4, "minute": 24}
